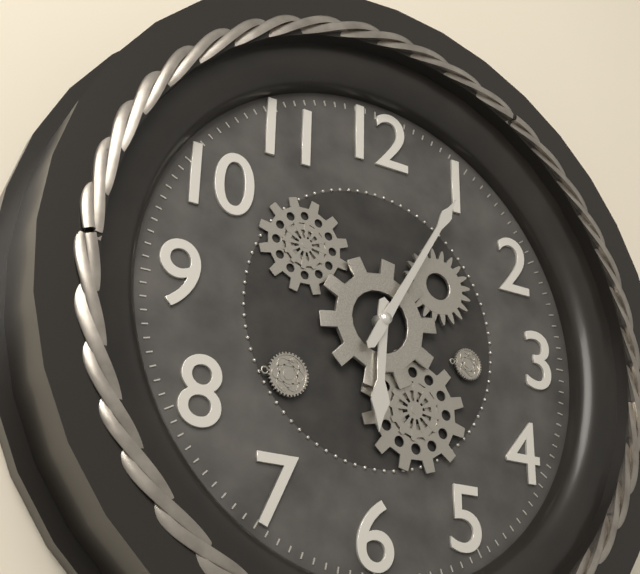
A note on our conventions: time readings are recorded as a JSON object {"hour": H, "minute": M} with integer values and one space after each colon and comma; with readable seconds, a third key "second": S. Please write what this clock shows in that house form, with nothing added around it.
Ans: {"hour": 6, "minute": 5}
